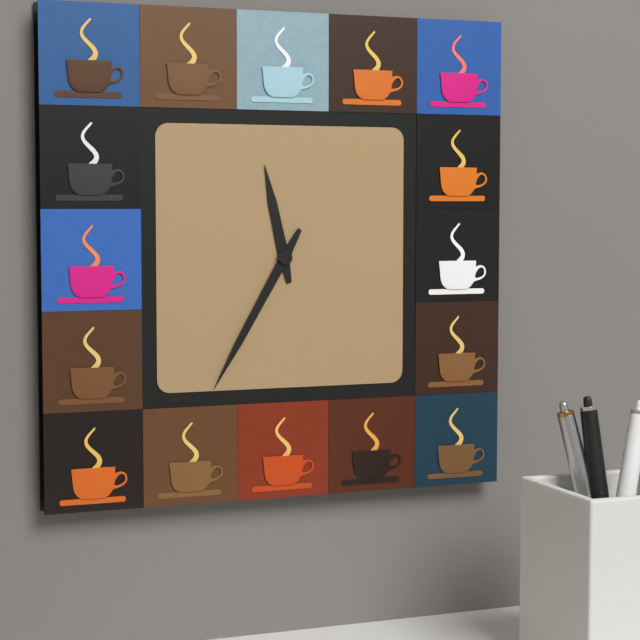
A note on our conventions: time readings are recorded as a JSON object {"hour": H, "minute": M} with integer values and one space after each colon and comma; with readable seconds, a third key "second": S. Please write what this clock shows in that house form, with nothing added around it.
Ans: {"hour": 11, "minute": 35}
